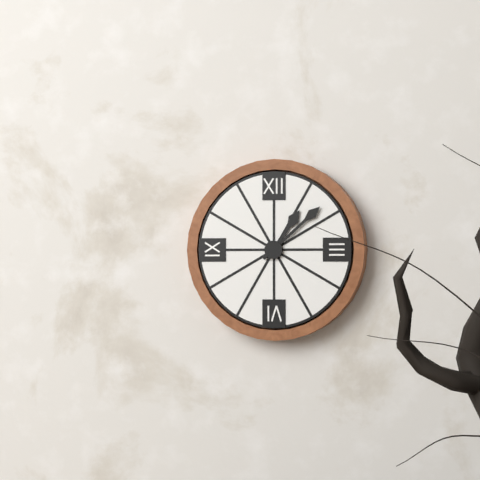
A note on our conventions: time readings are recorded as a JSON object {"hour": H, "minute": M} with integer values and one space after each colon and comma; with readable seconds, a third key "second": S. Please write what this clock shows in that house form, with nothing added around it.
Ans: {"hour": 1, "minute": 8}
